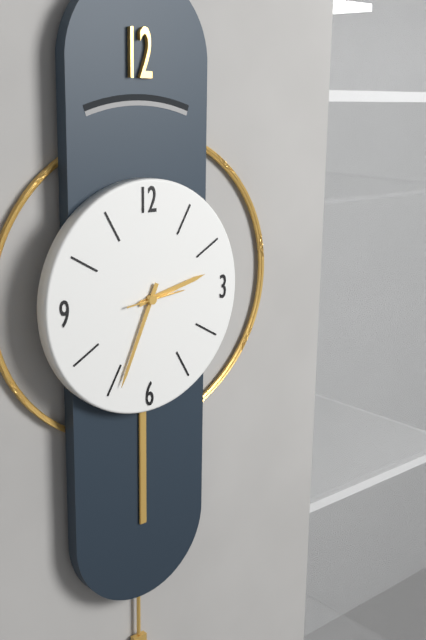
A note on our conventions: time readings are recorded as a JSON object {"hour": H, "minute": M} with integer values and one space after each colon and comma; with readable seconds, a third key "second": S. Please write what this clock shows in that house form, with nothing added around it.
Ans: {"hour": 2, "minute": 34}
